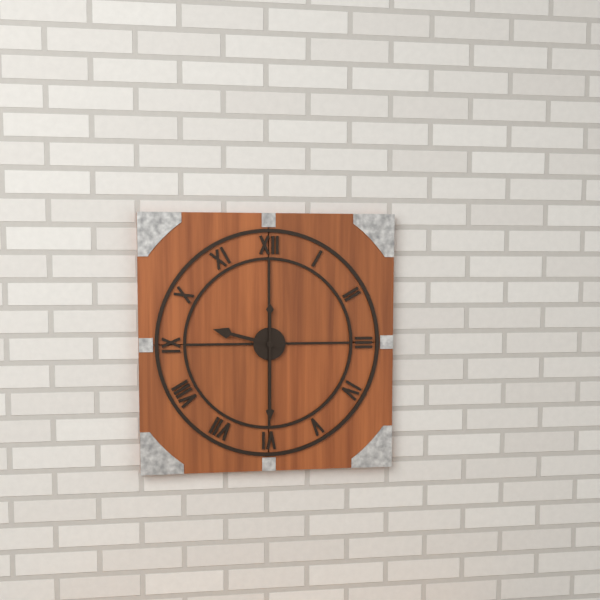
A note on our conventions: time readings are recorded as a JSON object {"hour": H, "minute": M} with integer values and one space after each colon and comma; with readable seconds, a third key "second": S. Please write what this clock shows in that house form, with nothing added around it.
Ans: {"hour": 9, "minute": 30}
